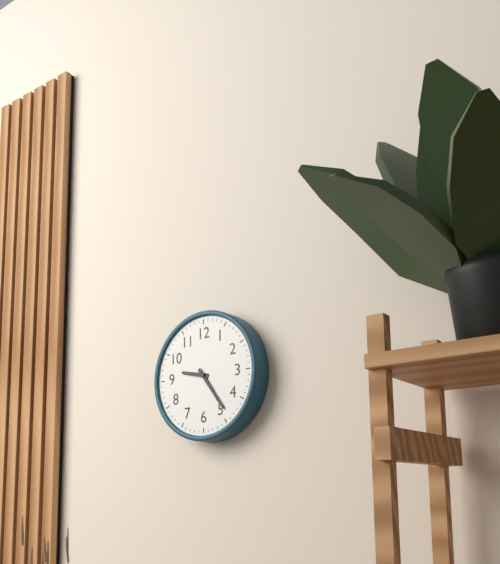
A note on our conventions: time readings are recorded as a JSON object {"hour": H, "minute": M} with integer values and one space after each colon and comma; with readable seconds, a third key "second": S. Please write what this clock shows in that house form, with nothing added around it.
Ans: {"hour": 9, "minute": 24}
